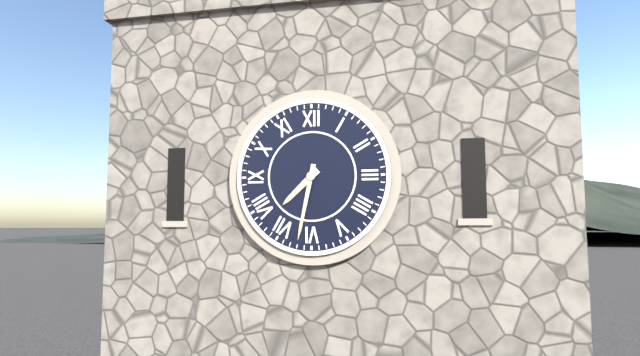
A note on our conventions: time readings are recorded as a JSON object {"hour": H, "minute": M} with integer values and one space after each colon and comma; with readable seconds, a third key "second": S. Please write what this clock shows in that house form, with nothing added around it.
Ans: {"hour": 7, "minute": 32}
